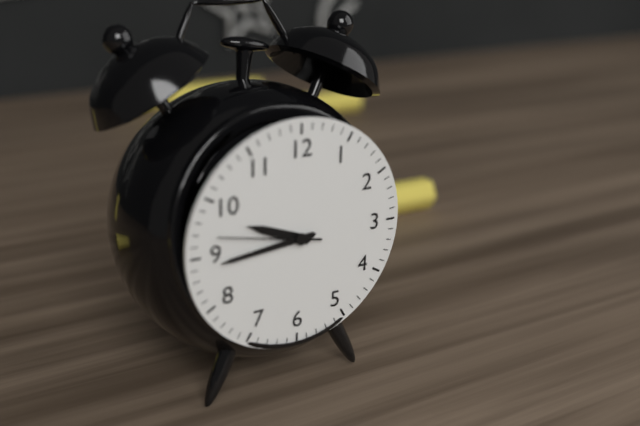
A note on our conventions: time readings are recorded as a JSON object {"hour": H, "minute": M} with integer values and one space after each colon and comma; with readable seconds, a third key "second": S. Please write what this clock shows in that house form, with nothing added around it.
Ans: {"hour": 9, "minute": 44, "second": 47}
